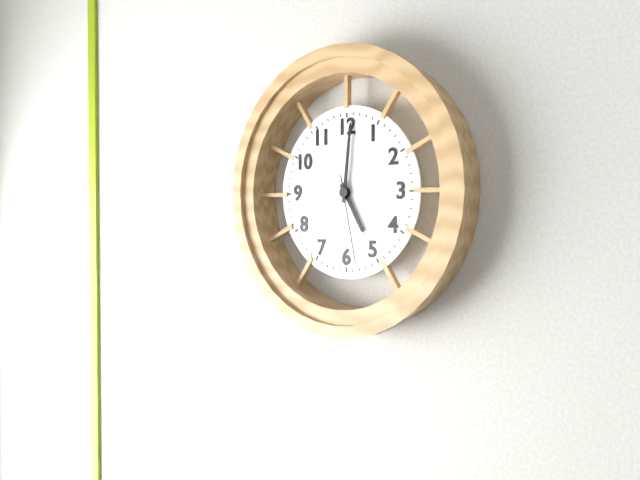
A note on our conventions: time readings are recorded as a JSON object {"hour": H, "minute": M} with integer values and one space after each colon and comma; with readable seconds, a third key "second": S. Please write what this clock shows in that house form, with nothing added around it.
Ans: {"hour": 5, "minute": 1, "second": 28}
